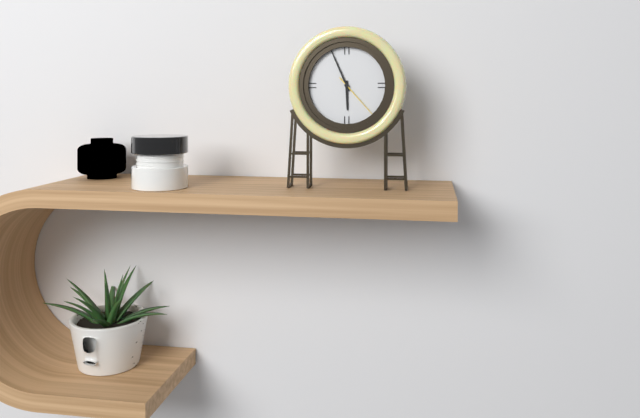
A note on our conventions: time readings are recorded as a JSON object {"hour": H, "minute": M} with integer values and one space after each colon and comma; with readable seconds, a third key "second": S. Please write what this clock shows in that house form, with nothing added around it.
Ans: {"hour": 5, "minute": 56}
